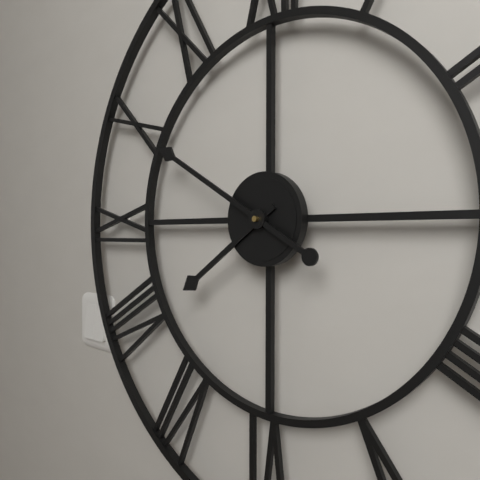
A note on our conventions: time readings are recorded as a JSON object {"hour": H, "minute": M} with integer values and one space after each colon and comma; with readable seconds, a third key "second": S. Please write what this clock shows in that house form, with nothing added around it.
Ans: {"hour": 7, "minute": 50}
